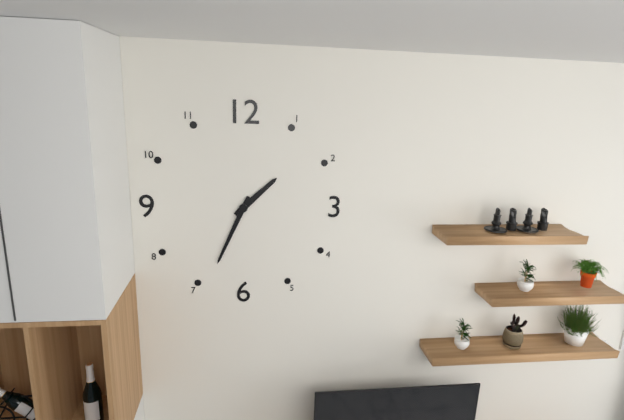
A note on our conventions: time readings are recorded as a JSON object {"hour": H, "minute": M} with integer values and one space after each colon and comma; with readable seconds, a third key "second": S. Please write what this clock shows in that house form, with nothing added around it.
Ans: {"hour": 1, "minute": 34}
